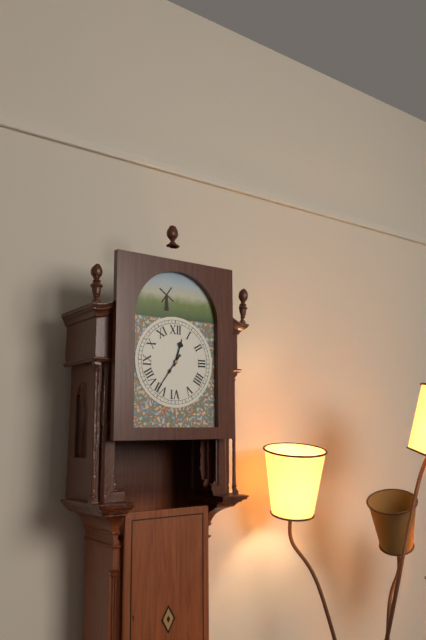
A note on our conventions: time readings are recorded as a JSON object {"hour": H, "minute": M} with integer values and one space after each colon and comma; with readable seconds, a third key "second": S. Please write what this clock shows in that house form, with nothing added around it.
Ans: {"hour": 12, "minute": 36}
